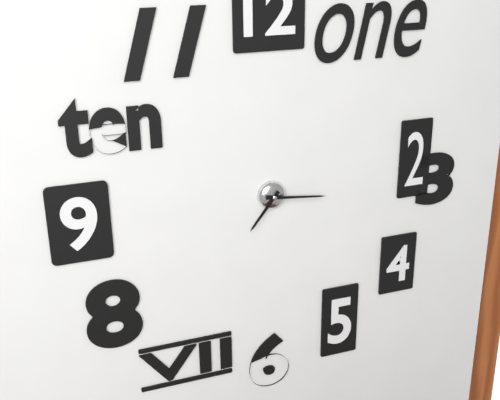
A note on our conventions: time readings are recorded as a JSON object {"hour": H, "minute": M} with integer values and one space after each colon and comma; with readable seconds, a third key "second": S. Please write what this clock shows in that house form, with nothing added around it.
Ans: {"hour": 7, "minute": 16}
